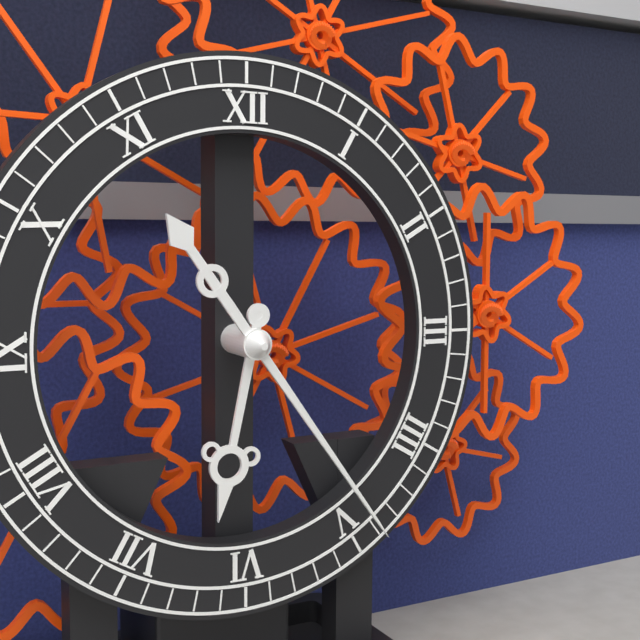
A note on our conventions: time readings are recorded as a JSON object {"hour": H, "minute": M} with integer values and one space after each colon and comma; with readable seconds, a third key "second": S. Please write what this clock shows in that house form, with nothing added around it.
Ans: {"hour": 6, "minute": 24}
